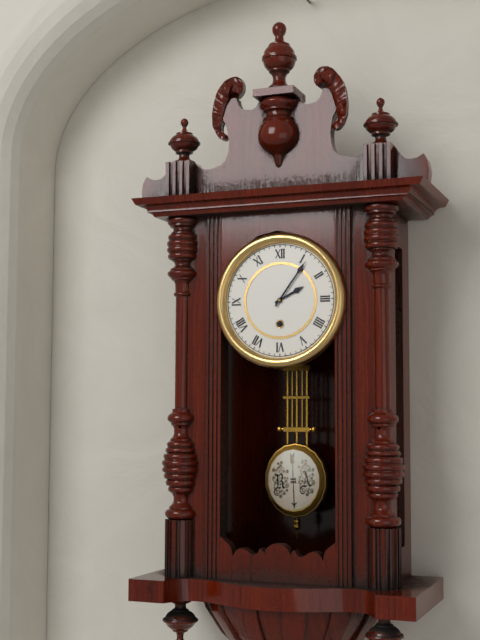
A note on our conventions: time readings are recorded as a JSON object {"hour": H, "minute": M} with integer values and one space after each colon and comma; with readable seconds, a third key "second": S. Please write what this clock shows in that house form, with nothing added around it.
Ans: {"hour": 2, "minute": 6}
